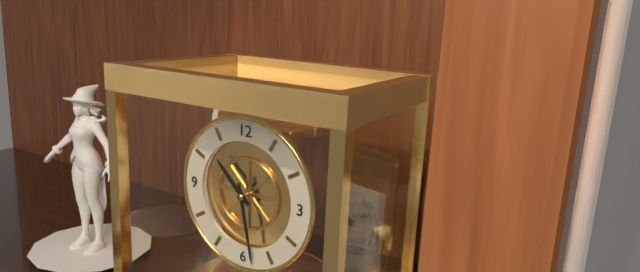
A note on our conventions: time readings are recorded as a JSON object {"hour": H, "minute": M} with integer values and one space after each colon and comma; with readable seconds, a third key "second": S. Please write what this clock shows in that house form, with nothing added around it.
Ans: {"hour": 10, "minute": 28}
